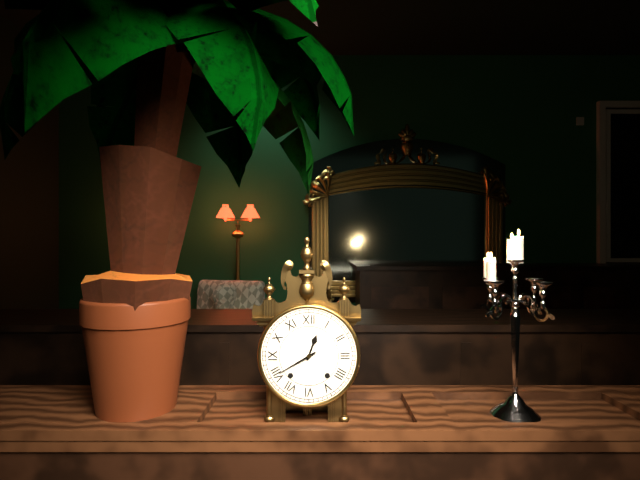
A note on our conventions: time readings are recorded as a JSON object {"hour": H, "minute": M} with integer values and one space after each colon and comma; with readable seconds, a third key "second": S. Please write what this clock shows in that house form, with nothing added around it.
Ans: {"hour": 12, "minute": 40}
